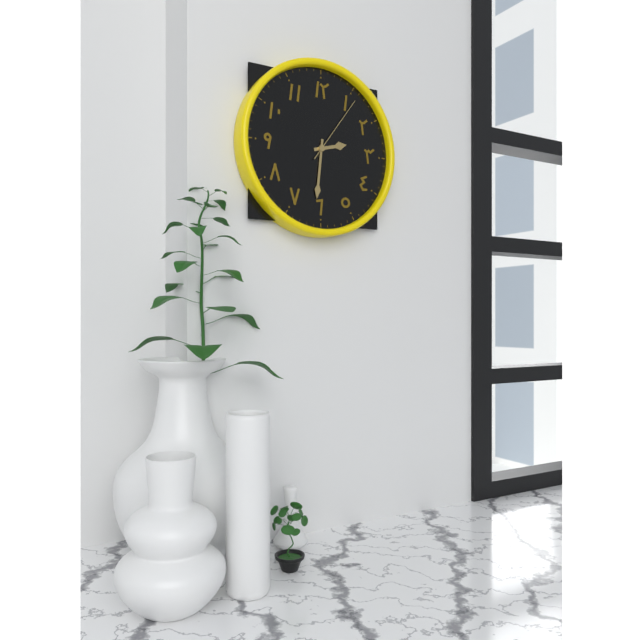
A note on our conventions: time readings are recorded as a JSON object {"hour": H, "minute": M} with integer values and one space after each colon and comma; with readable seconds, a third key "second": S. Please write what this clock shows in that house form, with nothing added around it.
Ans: {"hour": 2, "minute": 31, "second": 6}
